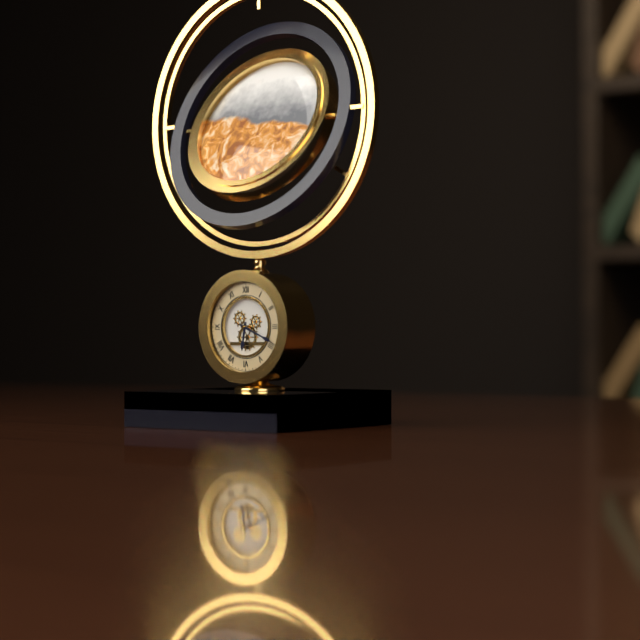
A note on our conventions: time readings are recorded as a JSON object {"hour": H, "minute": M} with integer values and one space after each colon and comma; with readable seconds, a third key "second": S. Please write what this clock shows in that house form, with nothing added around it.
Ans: {"hour": 6, "minute": 19}
